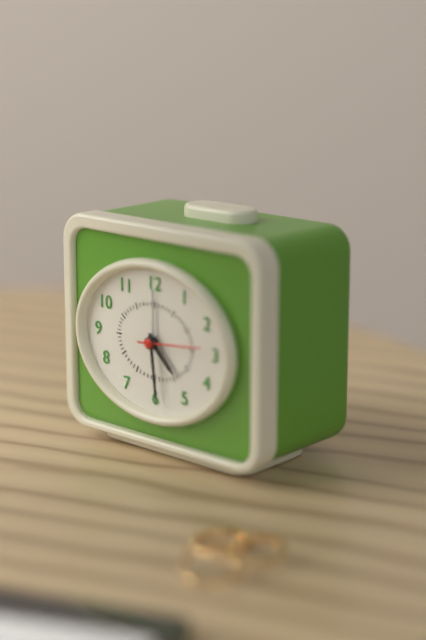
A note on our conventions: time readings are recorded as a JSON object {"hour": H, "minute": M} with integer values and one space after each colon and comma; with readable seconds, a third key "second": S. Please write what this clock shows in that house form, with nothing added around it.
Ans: {"hour": 4, "minute": 29}
